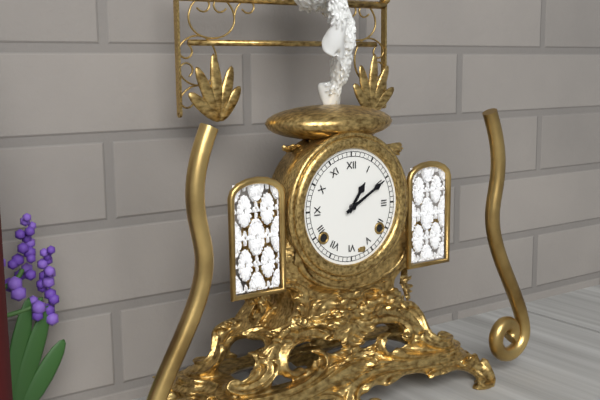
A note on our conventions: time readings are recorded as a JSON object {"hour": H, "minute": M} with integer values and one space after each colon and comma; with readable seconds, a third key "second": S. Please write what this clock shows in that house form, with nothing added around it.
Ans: {"hour": 1, "minute": 10}
